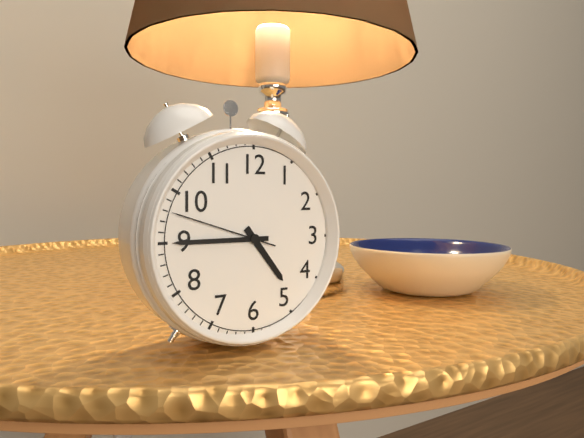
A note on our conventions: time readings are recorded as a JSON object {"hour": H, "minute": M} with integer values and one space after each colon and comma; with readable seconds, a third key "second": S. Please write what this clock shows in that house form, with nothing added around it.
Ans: {"hour": 4, "minute": 45, "second": 48}
